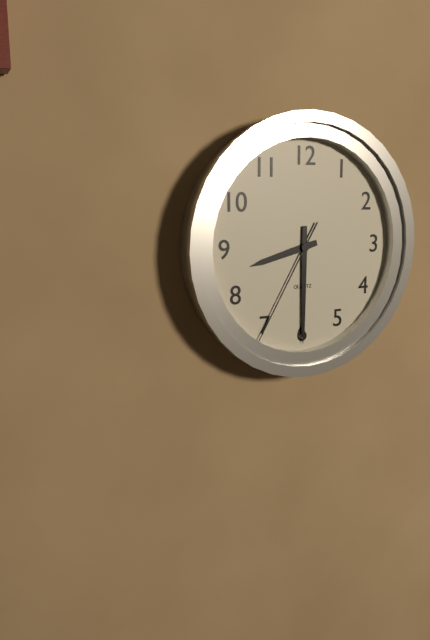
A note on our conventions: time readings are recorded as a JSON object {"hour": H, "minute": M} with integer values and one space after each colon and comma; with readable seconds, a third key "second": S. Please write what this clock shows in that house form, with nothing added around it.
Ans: {"hour": 8, "minute": 30, "second": 35}
